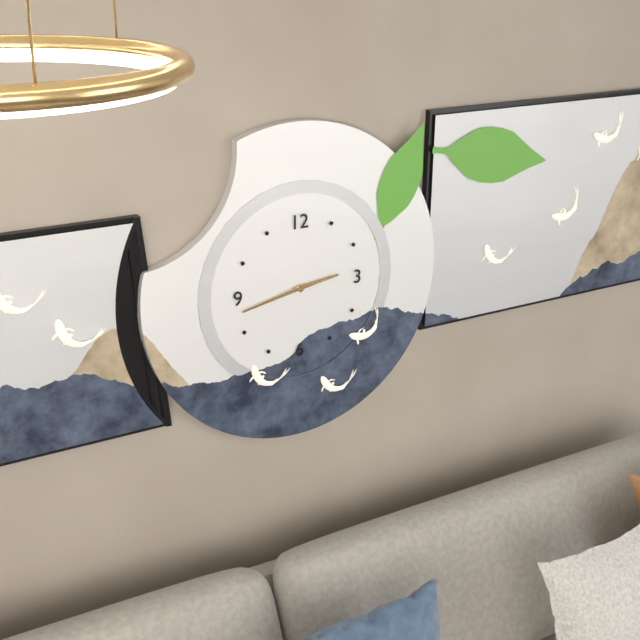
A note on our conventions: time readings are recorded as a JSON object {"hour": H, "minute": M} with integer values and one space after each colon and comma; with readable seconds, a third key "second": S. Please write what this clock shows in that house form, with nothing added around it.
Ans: {"hour": 2, "minute": 43}
